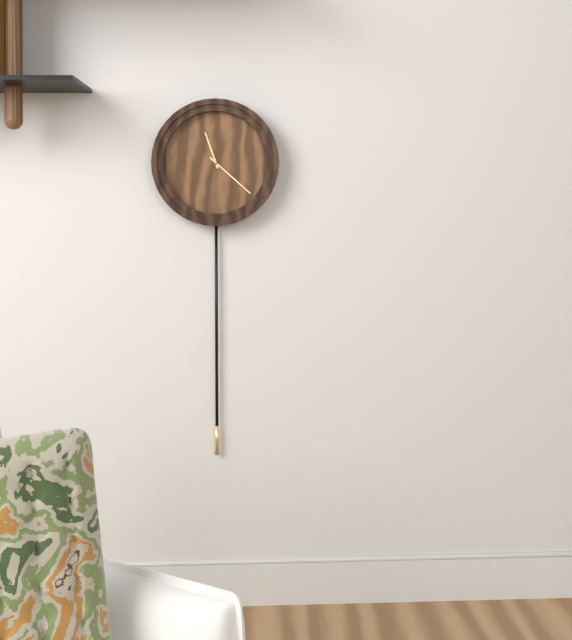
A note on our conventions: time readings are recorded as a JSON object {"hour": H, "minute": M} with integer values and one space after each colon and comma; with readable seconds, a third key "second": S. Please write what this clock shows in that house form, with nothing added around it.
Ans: {"hour": 11, "minute": 22}
